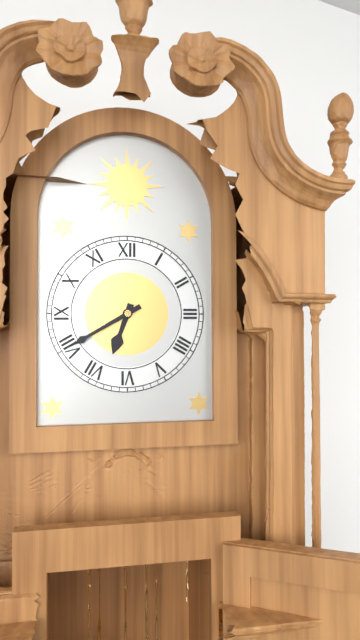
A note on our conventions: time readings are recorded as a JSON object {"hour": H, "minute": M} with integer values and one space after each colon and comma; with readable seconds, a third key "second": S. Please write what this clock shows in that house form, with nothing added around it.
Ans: {"hour": 6, "minute": 40}
